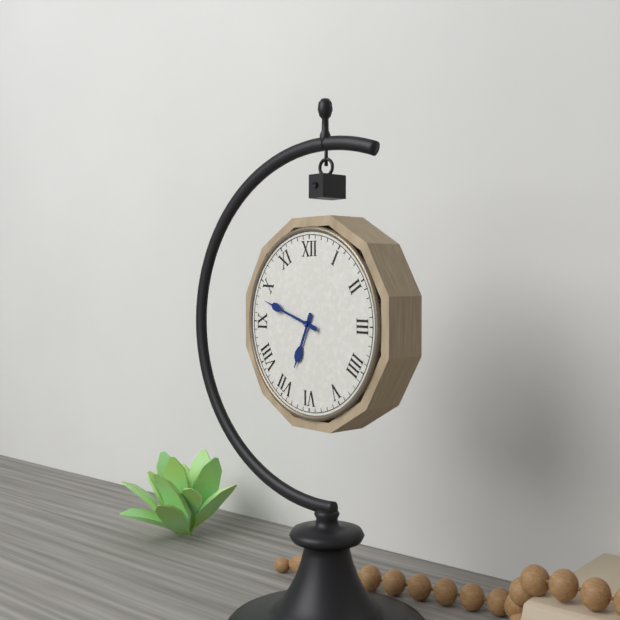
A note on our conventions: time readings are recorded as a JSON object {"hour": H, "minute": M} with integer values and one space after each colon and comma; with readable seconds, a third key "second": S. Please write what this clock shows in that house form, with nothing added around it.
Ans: {"hour": 6, "minute": 48}
